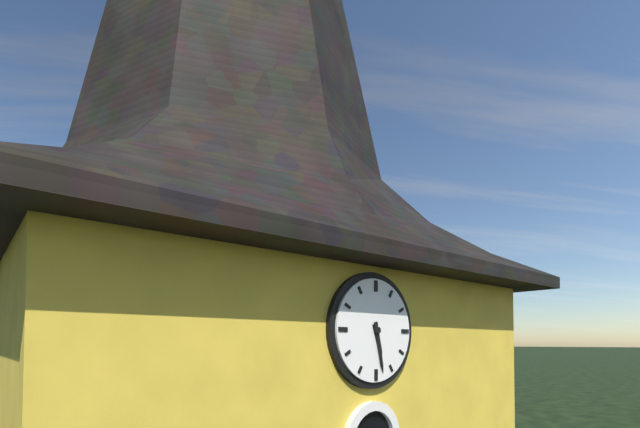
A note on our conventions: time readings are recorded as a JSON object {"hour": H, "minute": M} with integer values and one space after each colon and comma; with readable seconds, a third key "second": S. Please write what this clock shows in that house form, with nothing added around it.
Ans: {"hour": 5, "minute": 28}
